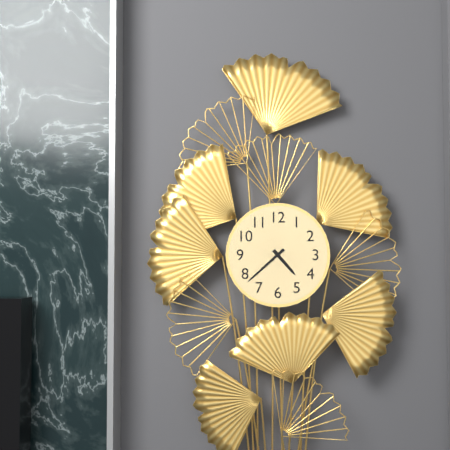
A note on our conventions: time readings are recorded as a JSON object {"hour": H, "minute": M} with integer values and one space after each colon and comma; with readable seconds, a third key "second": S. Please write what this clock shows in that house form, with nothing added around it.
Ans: {"hour": 4, "minute": 38}
